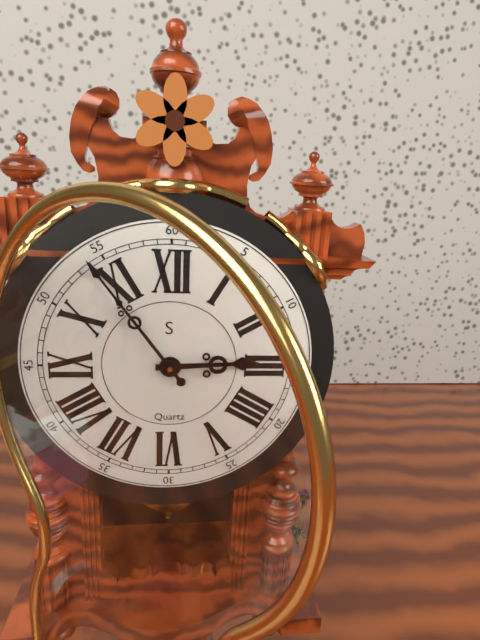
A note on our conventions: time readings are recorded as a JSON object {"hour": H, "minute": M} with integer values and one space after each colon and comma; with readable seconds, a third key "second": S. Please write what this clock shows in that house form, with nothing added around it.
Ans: {"hour": 2, "minute": 54}
